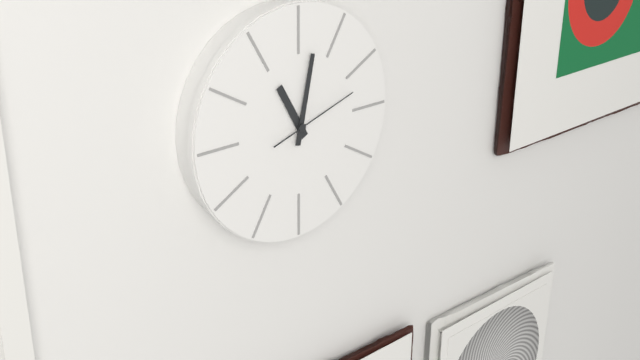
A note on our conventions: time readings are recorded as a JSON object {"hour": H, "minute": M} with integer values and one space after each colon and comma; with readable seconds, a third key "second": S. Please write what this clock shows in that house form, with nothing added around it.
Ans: {"hour": 11, "minute": 2, "second": 12}
